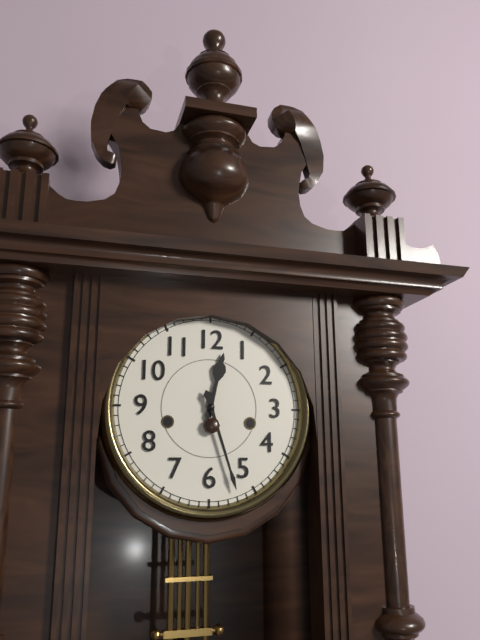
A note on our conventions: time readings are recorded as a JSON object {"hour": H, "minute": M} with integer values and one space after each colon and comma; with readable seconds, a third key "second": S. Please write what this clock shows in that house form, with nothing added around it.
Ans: {"hour": 12, "minute": 27}
